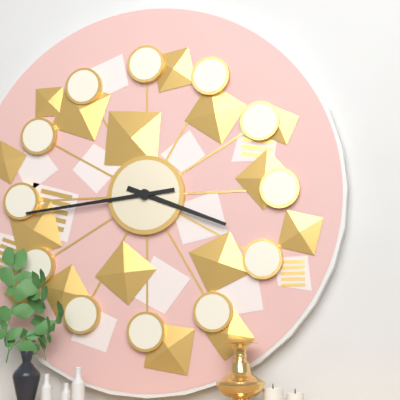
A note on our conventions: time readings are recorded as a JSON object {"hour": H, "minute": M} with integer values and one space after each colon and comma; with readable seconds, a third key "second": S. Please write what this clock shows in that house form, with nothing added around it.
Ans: {"hour": 3, "minute": 44}
